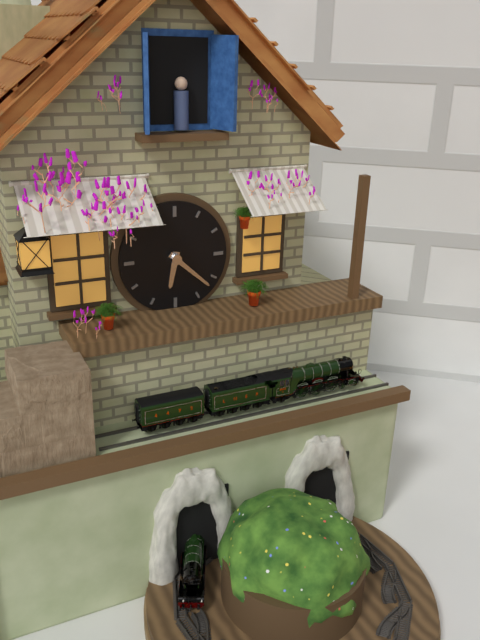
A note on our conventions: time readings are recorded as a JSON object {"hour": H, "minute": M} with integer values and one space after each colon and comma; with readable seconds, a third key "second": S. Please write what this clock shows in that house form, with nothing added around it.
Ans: {"hour": 6, "minute": 22}
